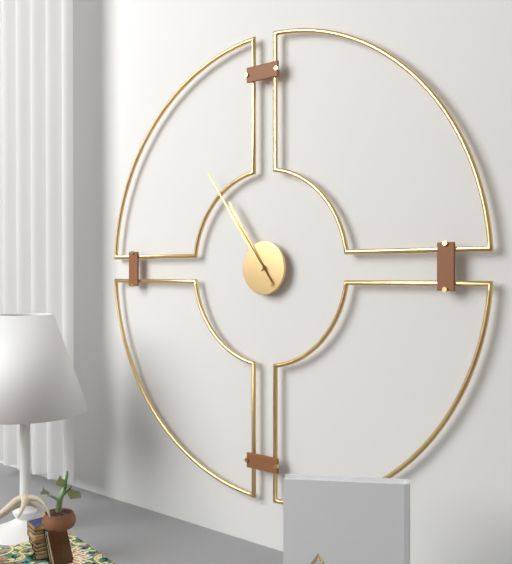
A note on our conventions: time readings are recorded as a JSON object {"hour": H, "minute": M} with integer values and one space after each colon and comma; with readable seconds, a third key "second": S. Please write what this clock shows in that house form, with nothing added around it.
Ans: {"hour": 10, "minute": 54}
